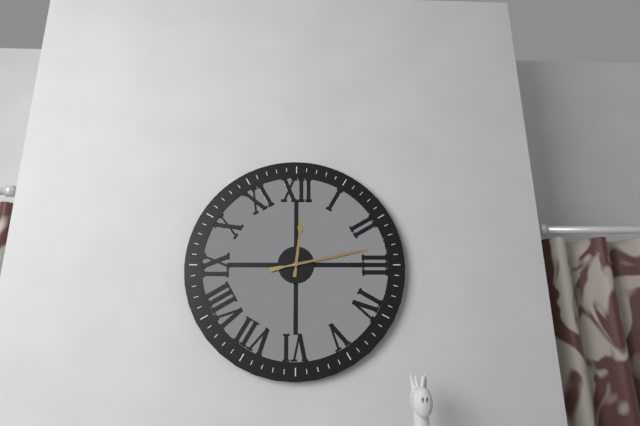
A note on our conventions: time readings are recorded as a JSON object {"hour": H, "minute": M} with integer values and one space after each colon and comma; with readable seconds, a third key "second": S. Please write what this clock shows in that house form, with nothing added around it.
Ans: {"hour": 12, "minute": 13}
